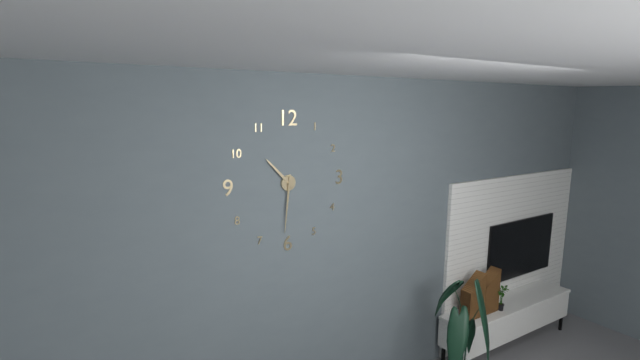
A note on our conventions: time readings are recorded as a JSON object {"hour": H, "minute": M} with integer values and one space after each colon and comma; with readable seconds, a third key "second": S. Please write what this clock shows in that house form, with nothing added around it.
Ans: {"hour": 10, "minute": 31}
